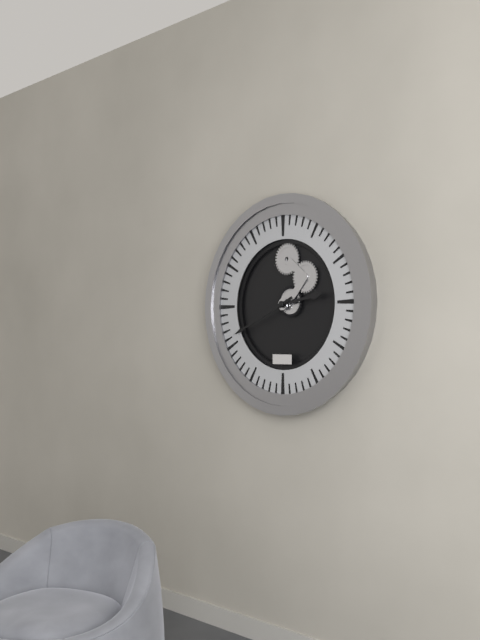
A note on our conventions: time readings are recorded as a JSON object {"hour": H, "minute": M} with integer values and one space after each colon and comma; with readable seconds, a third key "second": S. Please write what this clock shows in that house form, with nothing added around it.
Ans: {"hour": 2, "minute": 41}
